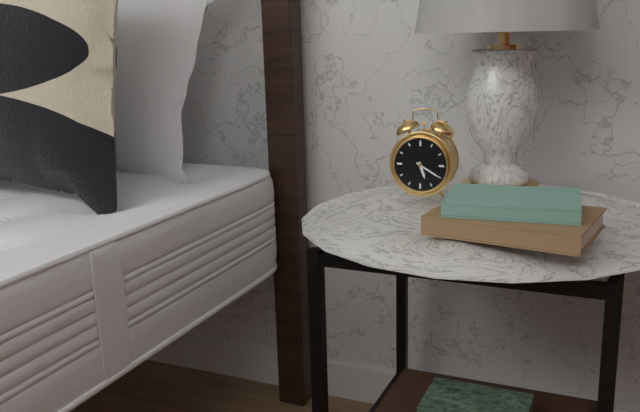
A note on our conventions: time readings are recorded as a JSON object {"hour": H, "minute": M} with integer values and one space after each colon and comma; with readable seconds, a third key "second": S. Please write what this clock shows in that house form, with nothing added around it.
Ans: {"hour": 5, "minute": 20}
